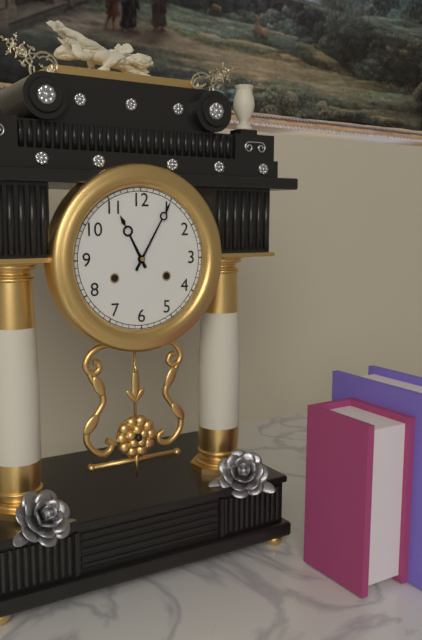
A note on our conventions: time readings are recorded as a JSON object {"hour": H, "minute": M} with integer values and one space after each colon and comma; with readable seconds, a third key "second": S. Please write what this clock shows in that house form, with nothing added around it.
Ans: {"hour": 11, "minute": 5}
